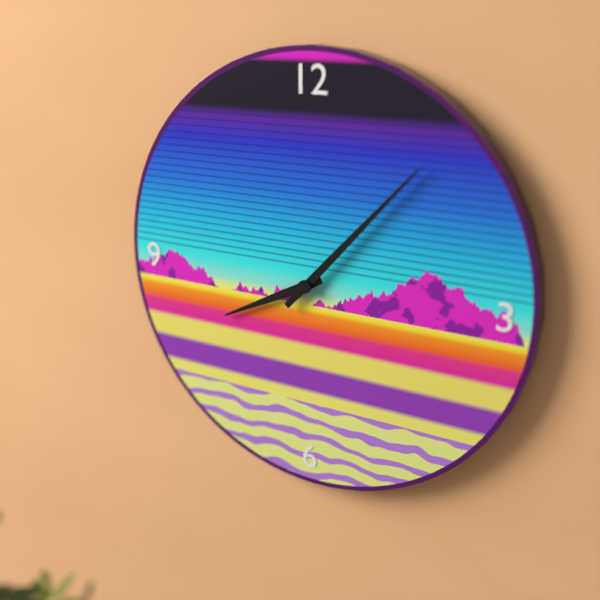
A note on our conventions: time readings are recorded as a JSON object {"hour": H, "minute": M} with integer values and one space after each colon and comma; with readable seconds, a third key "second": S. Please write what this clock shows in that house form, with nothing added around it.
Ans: {"hour": 8, "minute": 7}
